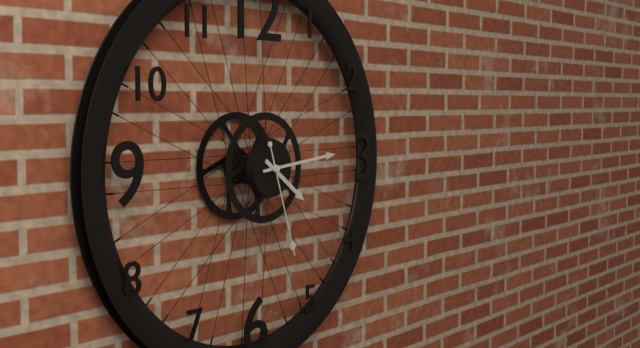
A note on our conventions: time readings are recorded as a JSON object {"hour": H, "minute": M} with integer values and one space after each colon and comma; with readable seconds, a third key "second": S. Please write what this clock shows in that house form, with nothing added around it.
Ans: {"hour": 4, "minute": 14, "second": 27}
